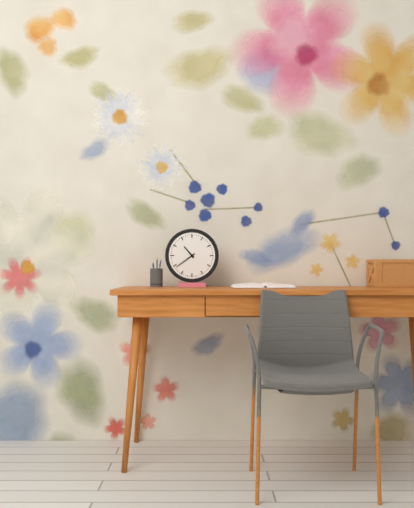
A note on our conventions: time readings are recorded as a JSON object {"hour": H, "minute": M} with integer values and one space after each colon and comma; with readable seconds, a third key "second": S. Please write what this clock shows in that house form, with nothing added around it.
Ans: {"hour": 10, "minute": 39}
